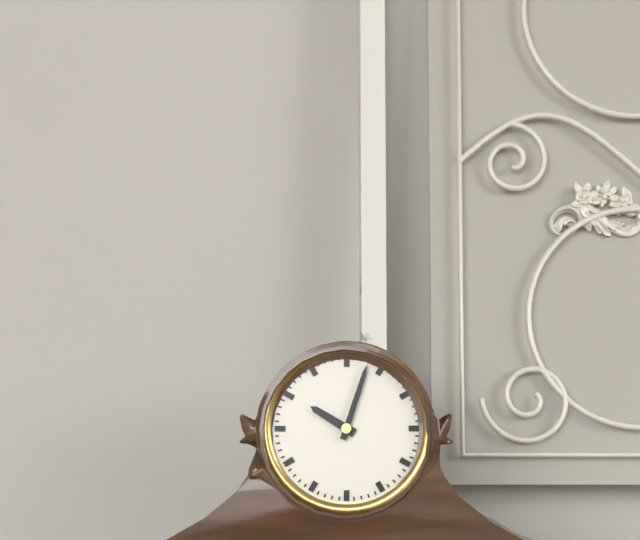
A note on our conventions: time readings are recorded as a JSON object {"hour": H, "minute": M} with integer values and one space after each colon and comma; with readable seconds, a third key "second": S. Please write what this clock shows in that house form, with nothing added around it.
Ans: {"hour": 10, "minute": 3}
